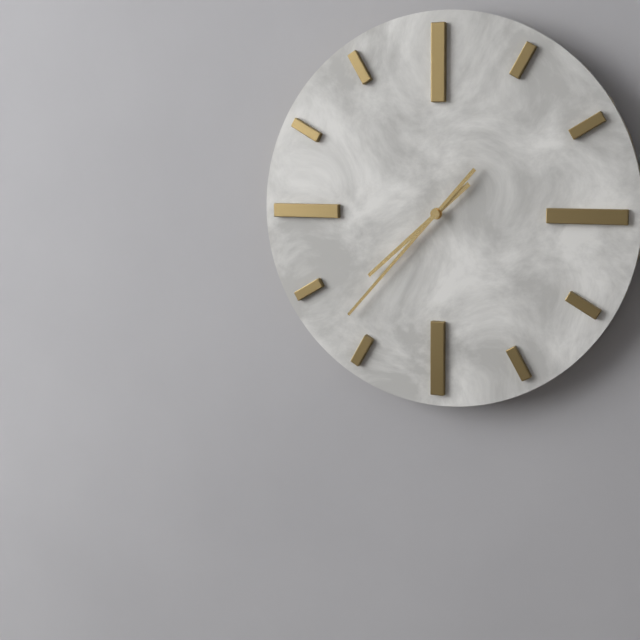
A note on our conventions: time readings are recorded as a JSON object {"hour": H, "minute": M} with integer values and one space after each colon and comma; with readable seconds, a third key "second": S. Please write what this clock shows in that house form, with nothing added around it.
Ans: {"hour": 7, "minute": 37}
